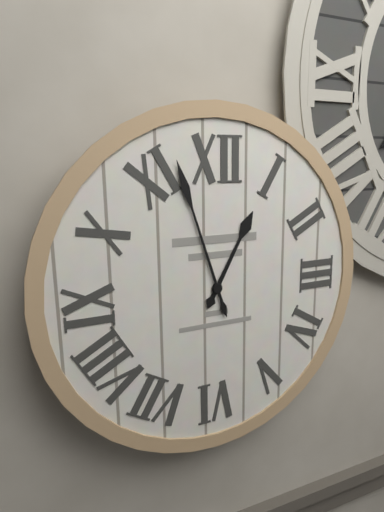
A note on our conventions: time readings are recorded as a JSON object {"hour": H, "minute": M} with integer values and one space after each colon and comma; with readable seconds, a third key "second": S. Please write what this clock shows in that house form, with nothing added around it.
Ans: {"hour": 12, "minute": 57}
